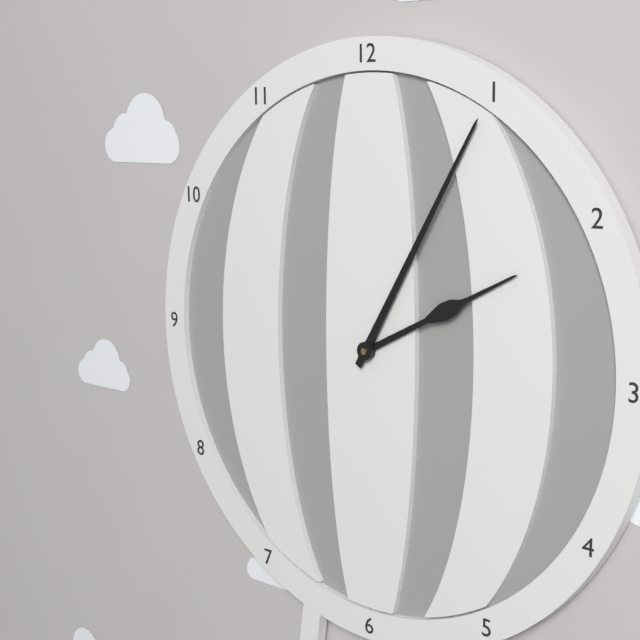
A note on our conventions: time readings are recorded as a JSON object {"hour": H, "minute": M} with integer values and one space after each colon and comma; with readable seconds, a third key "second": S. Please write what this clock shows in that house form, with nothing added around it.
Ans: {"hour": 2, "minute": 5}
